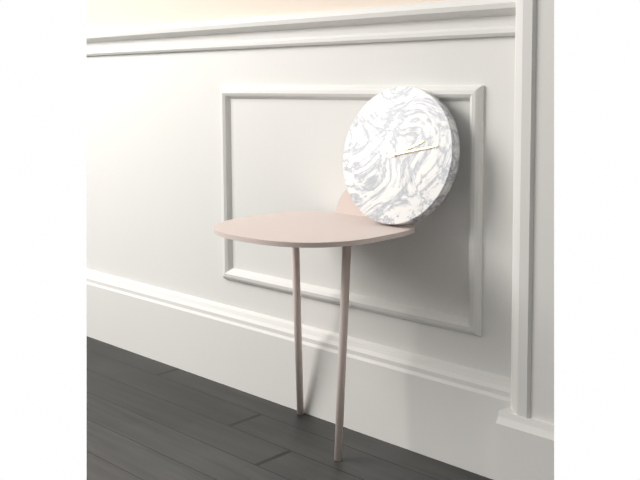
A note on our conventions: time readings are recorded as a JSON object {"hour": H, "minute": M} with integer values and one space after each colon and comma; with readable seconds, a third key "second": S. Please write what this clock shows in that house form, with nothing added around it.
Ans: {"hour": 2, "minute": 13}
